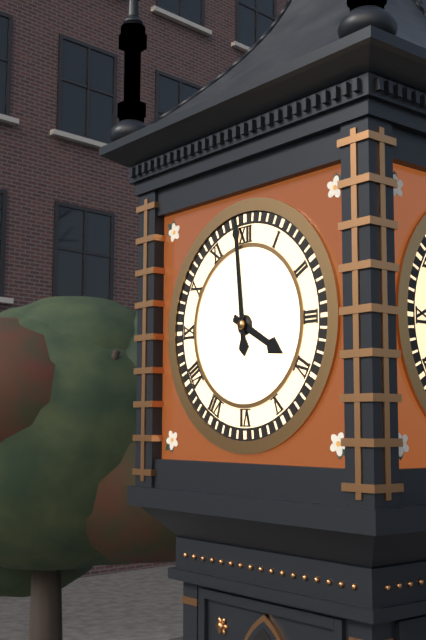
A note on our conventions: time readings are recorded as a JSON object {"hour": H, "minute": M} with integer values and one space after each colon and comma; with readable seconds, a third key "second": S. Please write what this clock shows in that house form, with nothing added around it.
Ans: {"hour": 3, "minute": 59}
